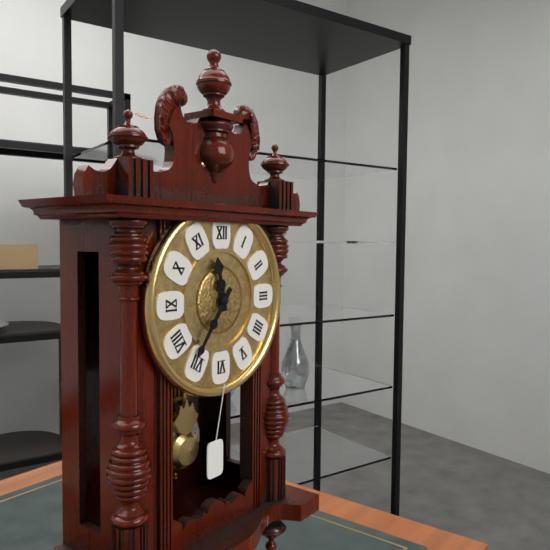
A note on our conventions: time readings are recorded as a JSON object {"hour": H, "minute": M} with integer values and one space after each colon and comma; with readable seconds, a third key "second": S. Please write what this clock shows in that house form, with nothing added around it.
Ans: {"hour": 11, "minute": 36}
